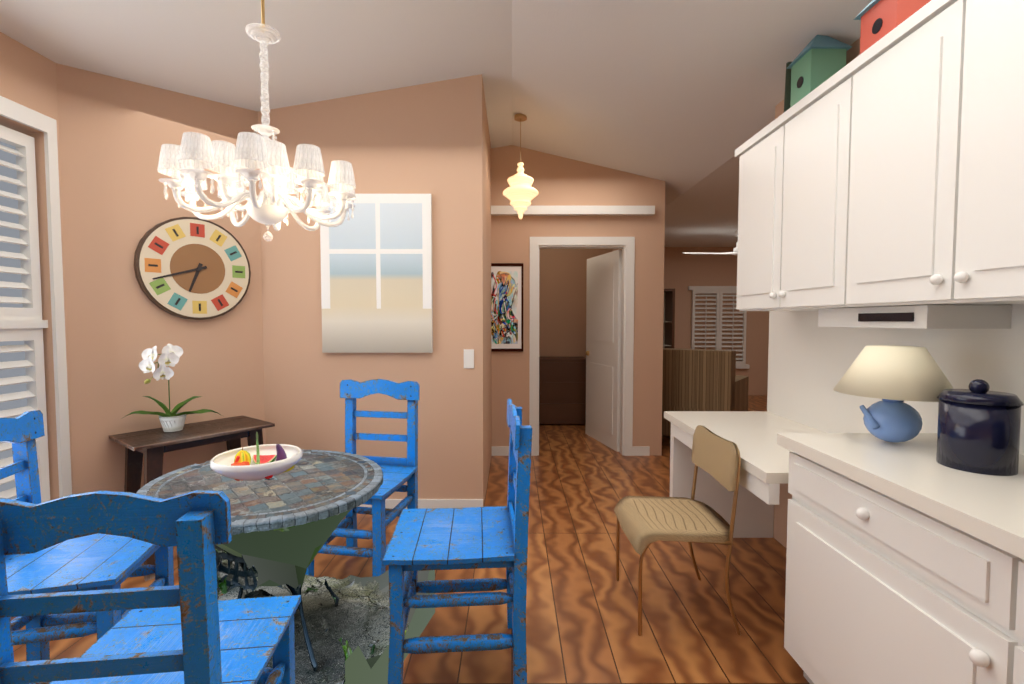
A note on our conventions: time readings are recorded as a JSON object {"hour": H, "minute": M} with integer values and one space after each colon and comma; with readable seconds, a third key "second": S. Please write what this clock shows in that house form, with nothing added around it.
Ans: {"hour": 6, "minute": 42}
